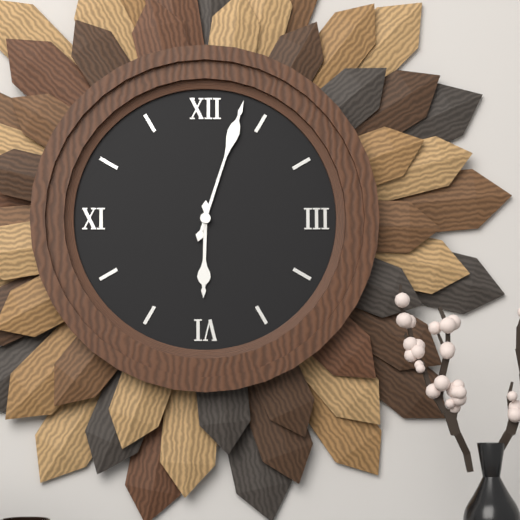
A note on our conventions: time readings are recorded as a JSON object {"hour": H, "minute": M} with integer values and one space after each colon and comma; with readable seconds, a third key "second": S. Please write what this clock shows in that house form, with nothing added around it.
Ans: {"hour": 6, "minute": 3}
